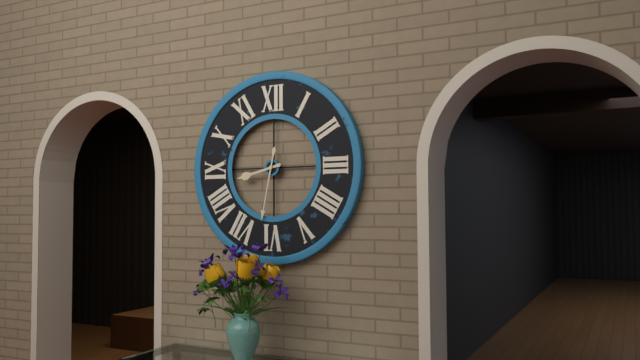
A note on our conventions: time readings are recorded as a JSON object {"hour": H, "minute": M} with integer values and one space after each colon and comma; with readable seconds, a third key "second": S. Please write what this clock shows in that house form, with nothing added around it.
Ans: {"hour": 8, "minute": 32}
